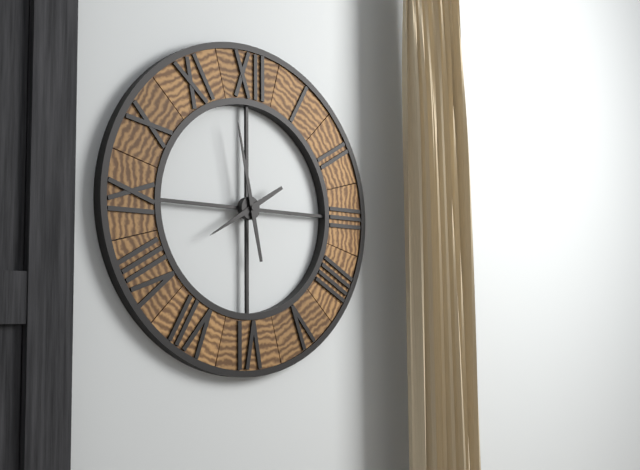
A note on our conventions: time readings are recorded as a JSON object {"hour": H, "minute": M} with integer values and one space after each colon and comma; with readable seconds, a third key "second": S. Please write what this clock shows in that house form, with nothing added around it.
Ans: {"hour": 7, "minute": 58}
